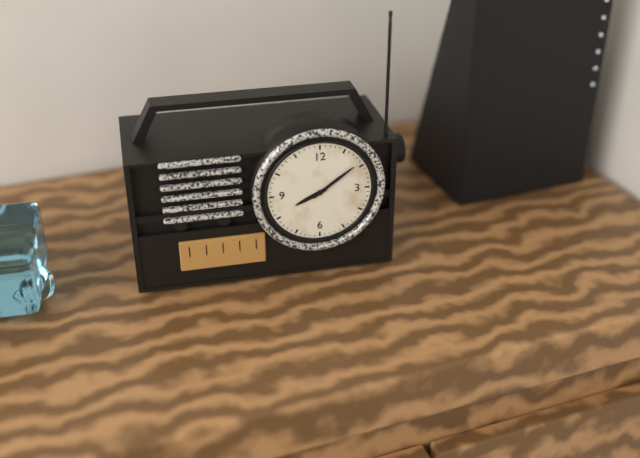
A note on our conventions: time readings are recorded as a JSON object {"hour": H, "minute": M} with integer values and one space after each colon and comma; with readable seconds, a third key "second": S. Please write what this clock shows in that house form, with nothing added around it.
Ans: {"hour": 8, "minute": 9}
